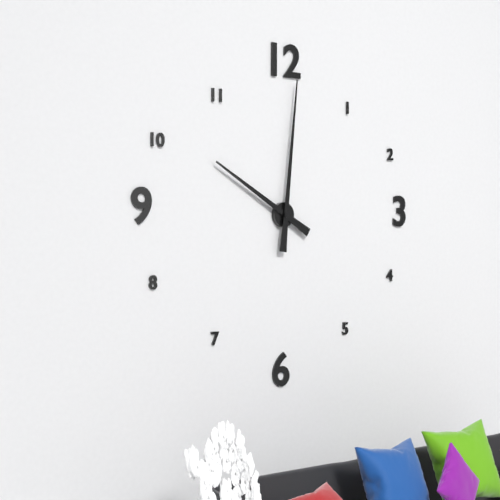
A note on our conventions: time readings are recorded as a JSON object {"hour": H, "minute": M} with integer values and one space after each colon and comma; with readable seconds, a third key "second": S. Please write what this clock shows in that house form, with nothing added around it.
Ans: {"hour": 10, "minute": 1}
